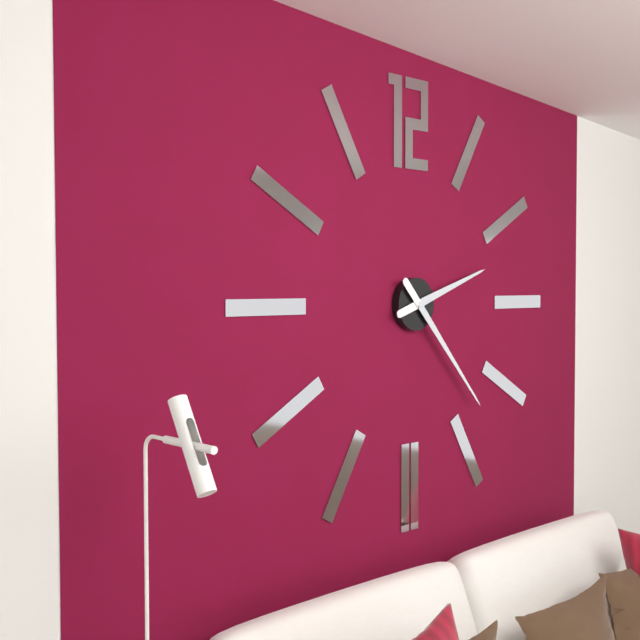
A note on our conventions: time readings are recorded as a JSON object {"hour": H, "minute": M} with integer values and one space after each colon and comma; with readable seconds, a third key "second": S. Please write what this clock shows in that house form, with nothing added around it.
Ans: {"hour": 2, "minute": 23}
